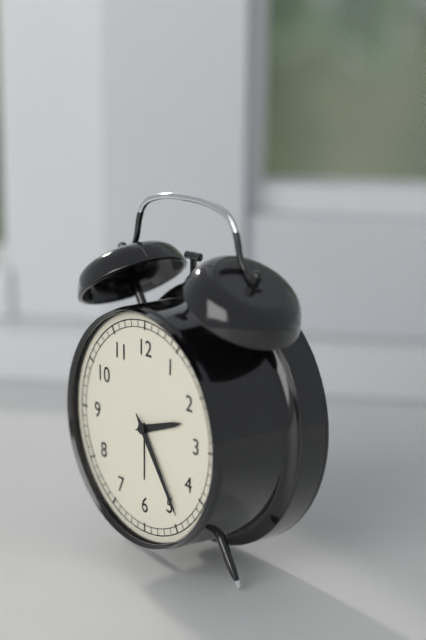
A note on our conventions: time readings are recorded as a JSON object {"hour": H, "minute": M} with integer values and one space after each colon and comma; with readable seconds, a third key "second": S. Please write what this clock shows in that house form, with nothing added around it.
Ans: {"hour": 2, "minute": 24}
